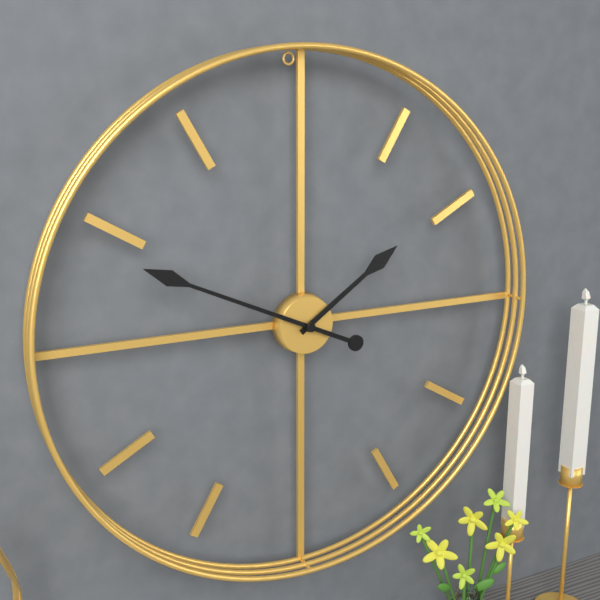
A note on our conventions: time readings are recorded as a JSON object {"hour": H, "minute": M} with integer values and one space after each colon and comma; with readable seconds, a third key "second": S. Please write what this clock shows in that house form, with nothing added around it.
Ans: {"hour": 1, "minute": 49}
